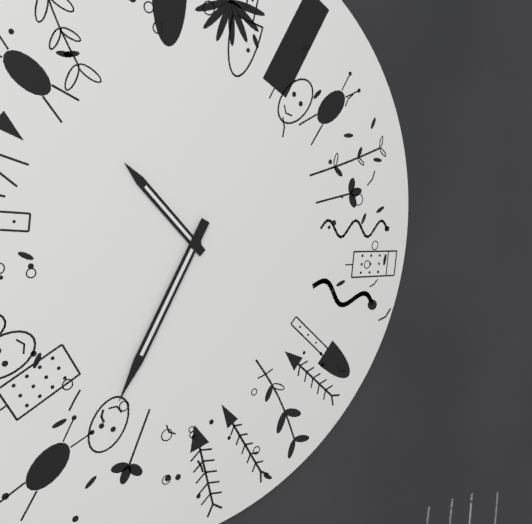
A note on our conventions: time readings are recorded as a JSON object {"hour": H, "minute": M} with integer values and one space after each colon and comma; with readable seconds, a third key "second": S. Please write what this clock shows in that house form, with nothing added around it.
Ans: {"hour": 10, "minute": 35}
